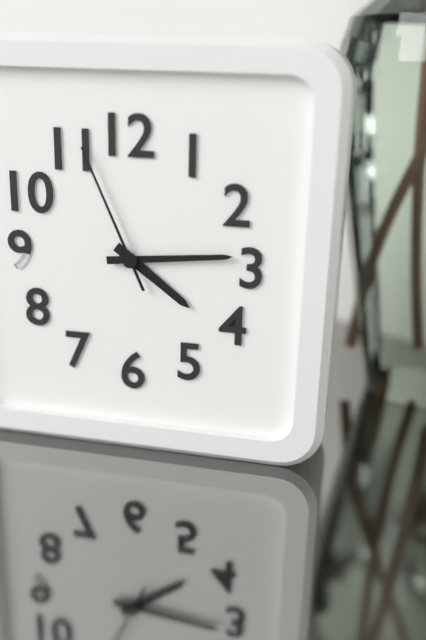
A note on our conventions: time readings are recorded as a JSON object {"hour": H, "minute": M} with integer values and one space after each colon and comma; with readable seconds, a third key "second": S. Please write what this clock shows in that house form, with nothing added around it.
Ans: {"hour": 4, "minute": 14, "second": 56}
